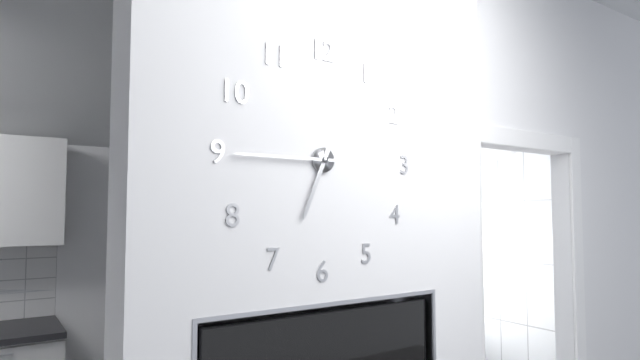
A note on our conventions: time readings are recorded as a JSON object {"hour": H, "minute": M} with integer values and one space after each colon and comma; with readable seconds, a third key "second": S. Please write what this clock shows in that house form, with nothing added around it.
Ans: {"hour": 6, "minute": 45}
